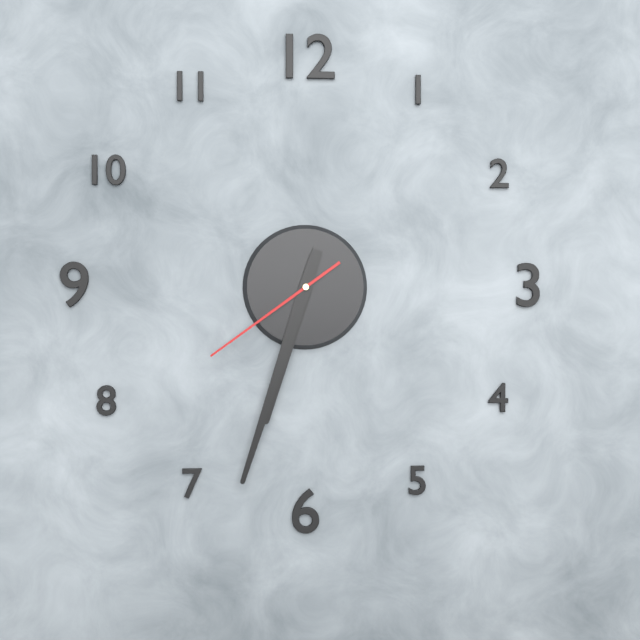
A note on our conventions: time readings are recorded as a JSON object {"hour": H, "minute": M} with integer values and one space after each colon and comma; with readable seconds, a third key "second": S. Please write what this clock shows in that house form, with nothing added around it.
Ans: {"hour": 6, "minute": 33, "second": 39}
